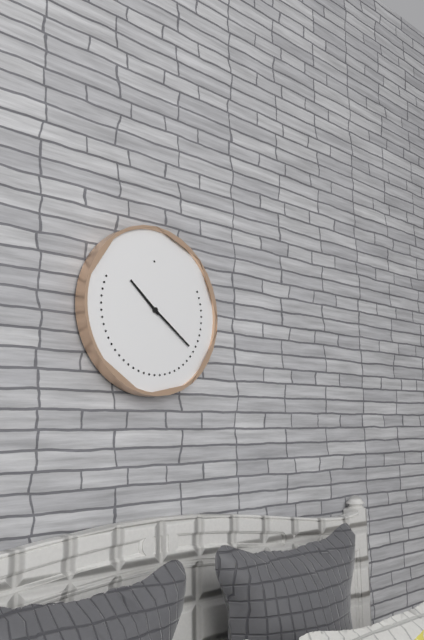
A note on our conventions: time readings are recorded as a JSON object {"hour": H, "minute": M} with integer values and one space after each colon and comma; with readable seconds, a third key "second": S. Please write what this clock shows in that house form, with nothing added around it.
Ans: {"hour": 10, "minute": 21}
